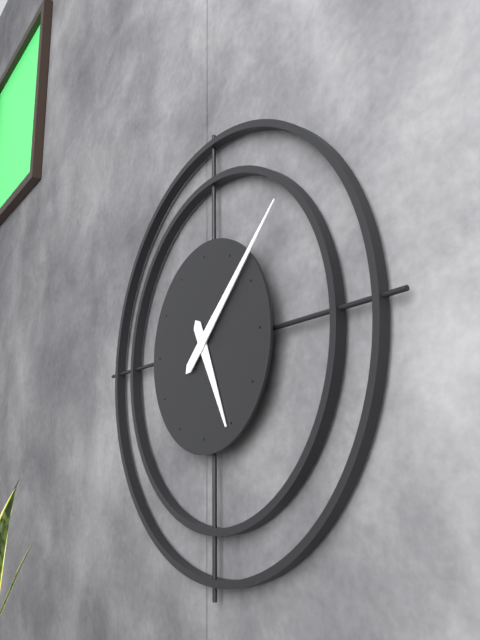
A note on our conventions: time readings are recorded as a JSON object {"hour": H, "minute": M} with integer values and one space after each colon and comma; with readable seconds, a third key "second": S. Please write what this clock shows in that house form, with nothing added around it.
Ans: {"hour": 5, "minute": 8}
